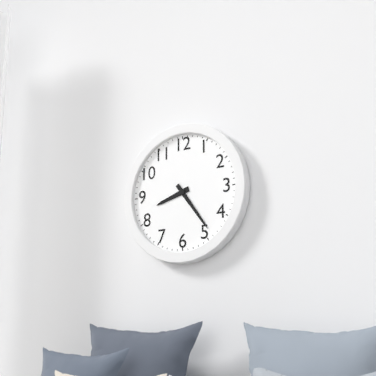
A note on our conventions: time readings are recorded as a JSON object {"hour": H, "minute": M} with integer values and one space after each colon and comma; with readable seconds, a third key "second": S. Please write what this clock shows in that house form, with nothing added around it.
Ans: {"hour": 8, "minute": 24}
